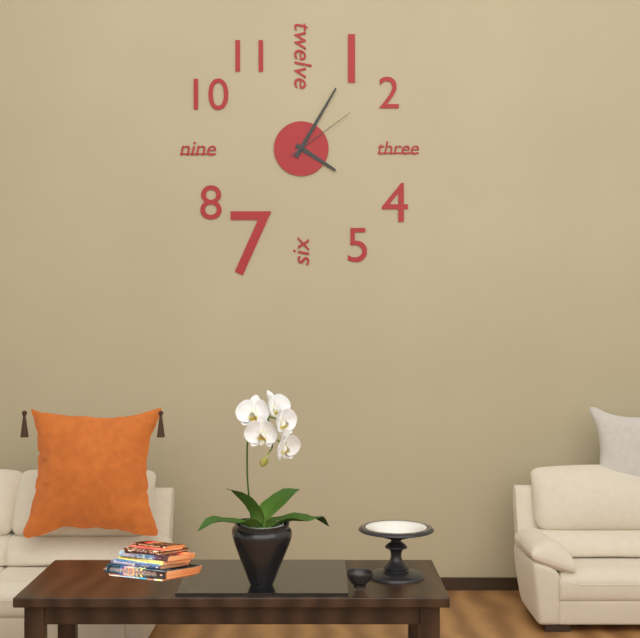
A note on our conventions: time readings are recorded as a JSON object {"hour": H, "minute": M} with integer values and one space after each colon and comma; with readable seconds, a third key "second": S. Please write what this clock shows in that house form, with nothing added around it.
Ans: {"hour": 4, "minute": 5, "second": 9}
